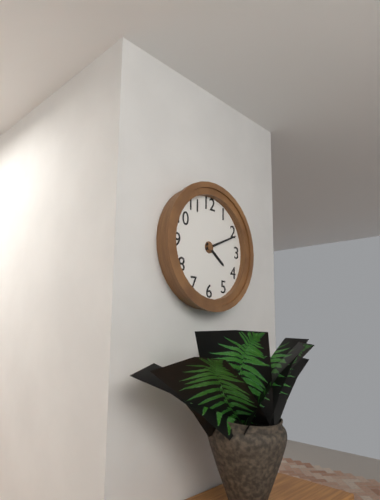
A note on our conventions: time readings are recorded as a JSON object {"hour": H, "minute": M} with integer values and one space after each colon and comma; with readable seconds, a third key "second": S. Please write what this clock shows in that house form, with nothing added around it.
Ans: {"hour": 4, "minute": 11}
